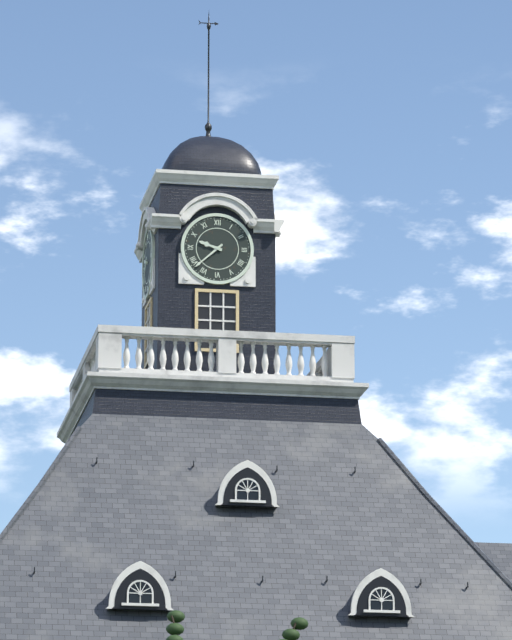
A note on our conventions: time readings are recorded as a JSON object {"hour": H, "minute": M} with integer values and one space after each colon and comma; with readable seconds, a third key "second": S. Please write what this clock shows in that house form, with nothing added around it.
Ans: {"hour": 9, "minute": 38}
